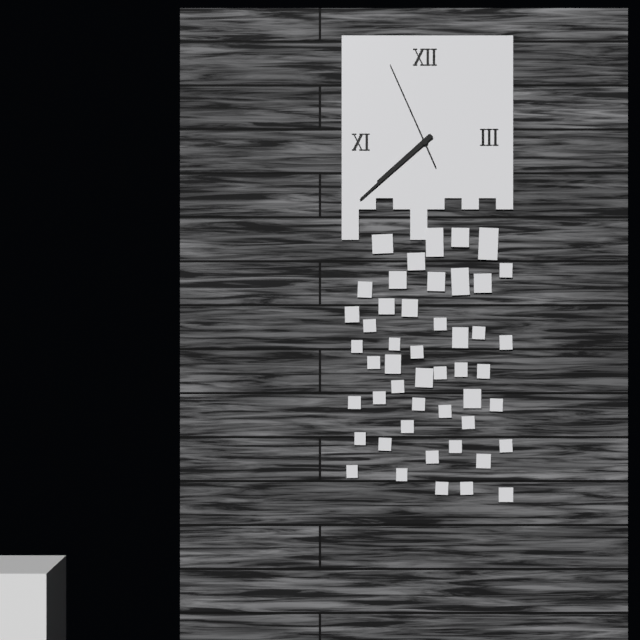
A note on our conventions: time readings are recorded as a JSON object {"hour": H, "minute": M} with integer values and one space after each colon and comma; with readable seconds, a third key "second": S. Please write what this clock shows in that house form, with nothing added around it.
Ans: {"hour": 7, "minute": 38, "second": 56}
